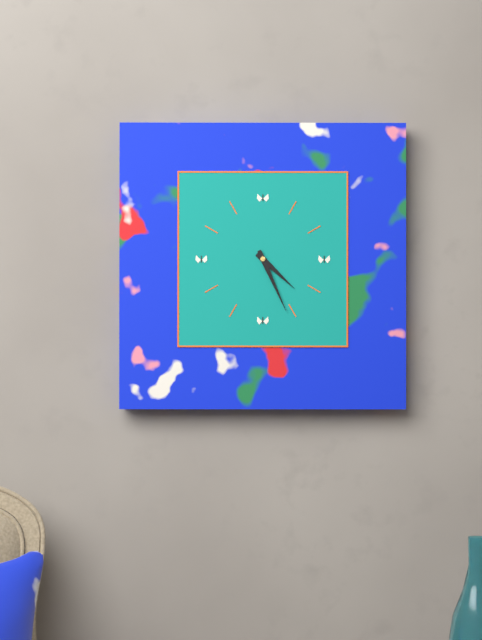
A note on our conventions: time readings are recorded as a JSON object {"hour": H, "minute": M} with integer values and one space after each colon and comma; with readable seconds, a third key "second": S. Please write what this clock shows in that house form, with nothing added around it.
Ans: {"hour": 4, "minute": 26}
